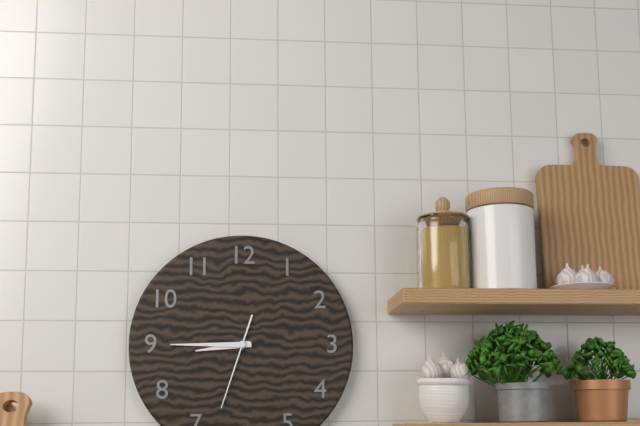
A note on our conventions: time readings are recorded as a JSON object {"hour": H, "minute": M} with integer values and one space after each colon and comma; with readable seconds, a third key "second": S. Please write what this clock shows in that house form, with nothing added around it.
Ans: {"hour": 8, "minute": 45, "second": 33}
